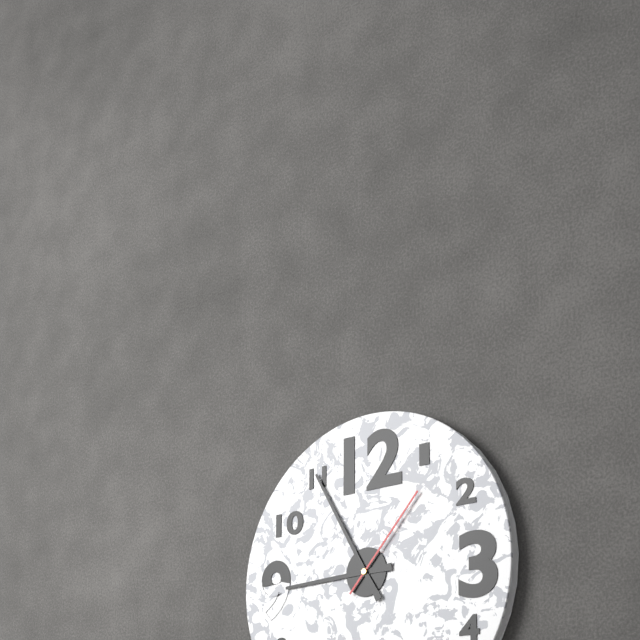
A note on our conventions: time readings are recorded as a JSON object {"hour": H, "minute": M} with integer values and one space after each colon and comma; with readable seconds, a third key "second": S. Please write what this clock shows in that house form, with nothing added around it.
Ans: {"hour": 8, "minute": 55, "second": 7}
